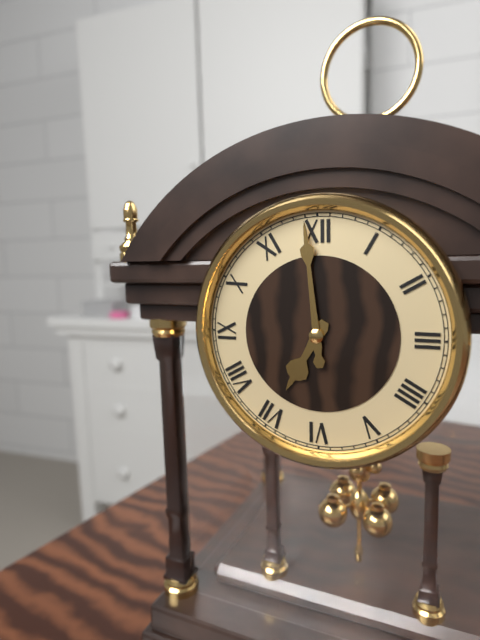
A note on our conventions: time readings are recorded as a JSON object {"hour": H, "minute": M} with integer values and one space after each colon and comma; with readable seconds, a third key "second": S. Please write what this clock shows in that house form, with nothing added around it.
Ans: {"hour": 6, "minute": 59}
